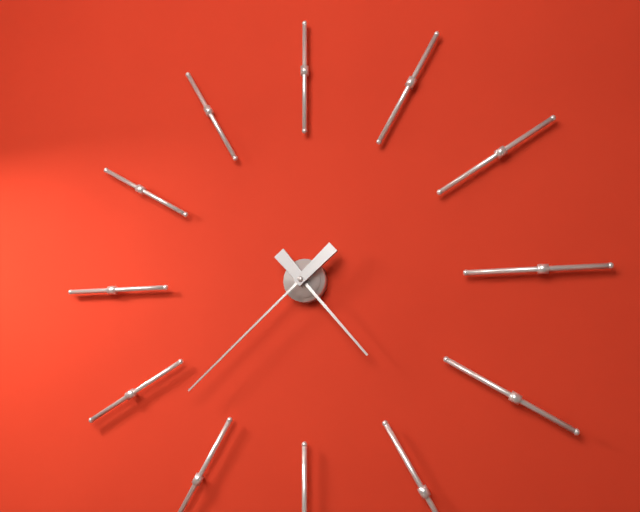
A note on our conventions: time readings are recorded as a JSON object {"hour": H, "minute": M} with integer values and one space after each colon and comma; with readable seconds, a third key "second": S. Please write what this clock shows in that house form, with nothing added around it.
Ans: {"hour": 4, "minute": 38}
